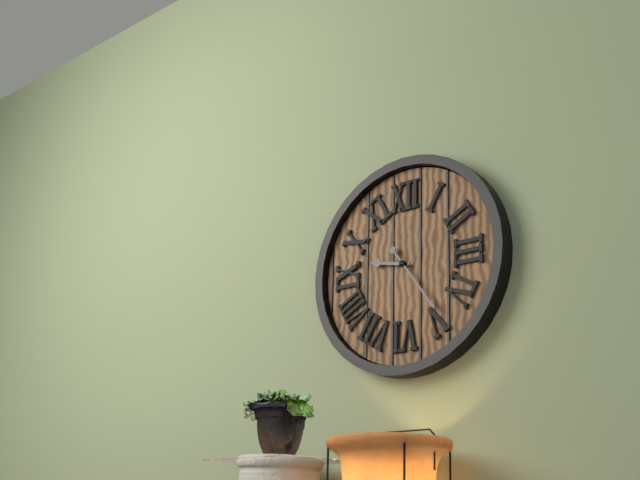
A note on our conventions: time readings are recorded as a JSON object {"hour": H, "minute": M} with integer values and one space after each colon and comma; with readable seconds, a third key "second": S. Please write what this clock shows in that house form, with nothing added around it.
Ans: {"hour": 9, "minute": 24}
